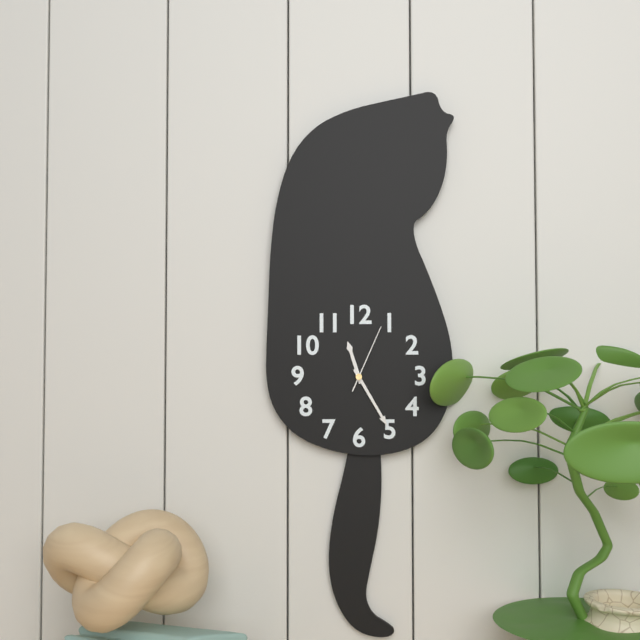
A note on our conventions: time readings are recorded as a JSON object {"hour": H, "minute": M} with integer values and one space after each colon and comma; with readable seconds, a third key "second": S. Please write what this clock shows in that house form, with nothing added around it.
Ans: {"hour": 11, "minute": 25, "second": 4}
